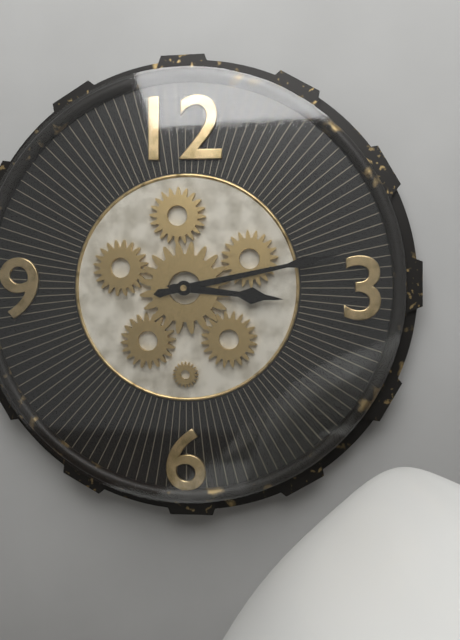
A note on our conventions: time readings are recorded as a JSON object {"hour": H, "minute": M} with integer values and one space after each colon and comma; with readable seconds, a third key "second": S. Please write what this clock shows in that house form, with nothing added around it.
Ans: {"hour": 3, "minute": 13}
